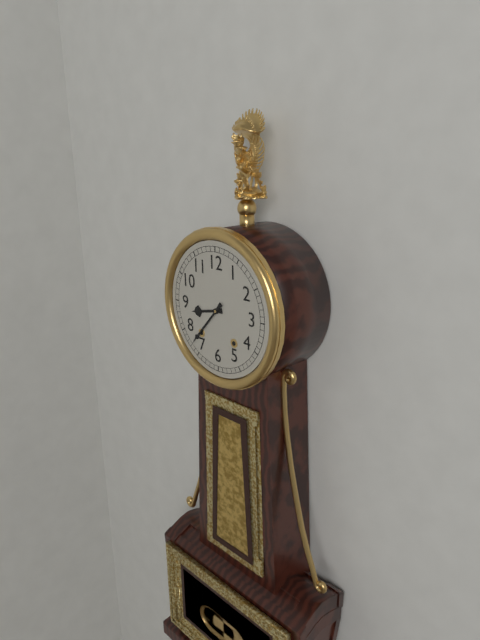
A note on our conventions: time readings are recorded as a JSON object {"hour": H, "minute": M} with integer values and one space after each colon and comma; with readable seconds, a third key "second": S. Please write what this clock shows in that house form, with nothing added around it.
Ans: {"hour": 8, "minute": 37}
